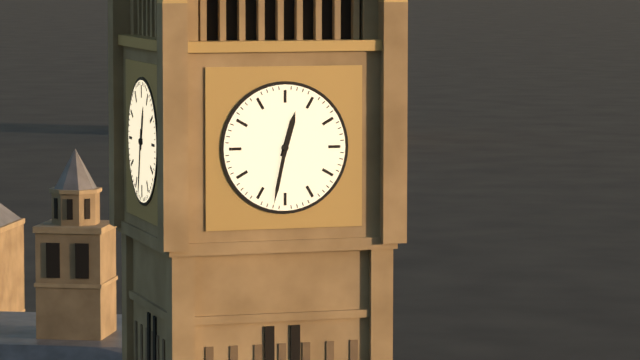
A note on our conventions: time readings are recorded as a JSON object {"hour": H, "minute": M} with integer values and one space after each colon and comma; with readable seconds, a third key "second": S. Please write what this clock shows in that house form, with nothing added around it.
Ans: {"hour": 12, "minute": 32}
